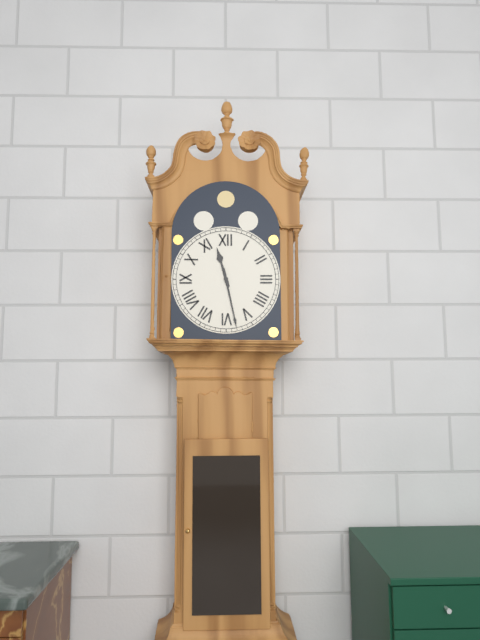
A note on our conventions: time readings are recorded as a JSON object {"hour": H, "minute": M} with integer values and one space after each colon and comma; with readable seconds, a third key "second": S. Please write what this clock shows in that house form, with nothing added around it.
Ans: {"hour": 11, "minute": 28}
